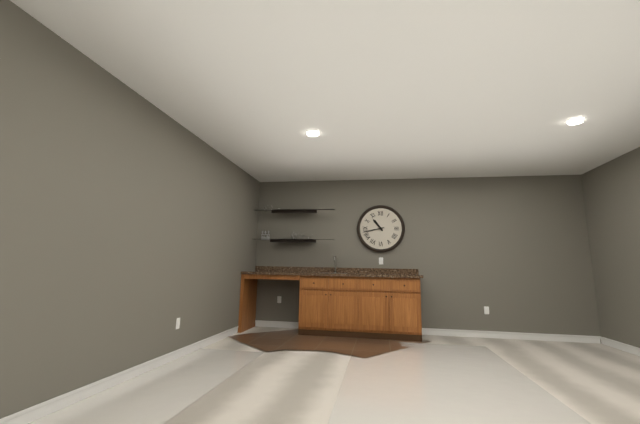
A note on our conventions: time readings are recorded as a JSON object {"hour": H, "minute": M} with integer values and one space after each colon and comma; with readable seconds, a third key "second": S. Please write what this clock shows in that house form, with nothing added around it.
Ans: {"hour": 10, "minute": 43}
